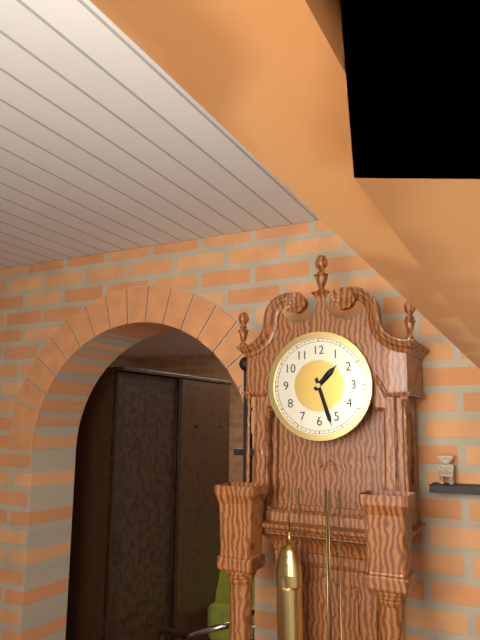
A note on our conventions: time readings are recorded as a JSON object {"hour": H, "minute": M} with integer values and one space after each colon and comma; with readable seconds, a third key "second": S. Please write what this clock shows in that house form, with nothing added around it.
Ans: {"hour": 1, "minute": 27}
